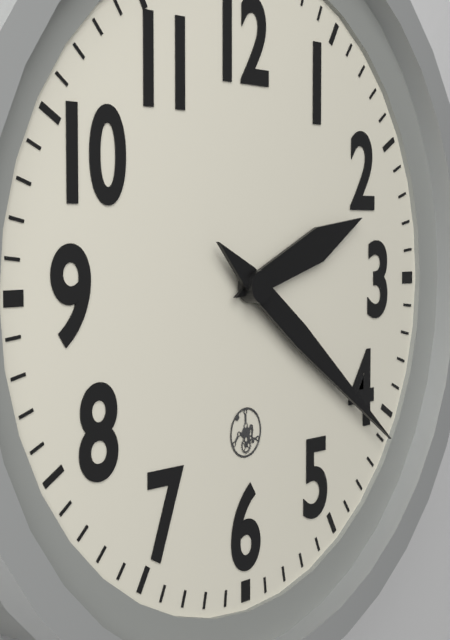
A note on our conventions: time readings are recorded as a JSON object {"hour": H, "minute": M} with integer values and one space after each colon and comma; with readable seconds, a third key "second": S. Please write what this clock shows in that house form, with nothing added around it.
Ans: {"hour": 2, "minute": 21}
